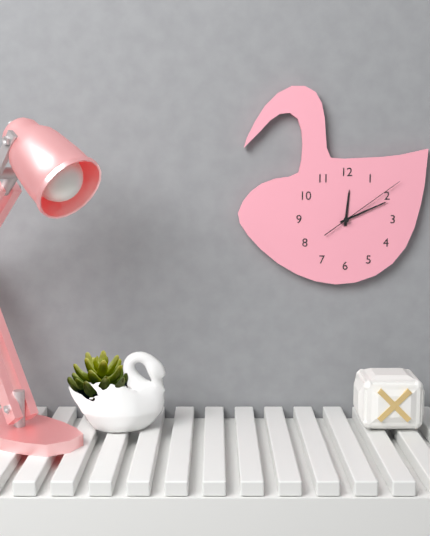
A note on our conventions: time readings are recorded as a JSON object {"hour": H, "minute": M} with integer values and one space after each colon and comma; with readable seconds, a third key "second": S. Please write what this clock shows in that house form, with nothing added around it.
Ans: {"hour": 12, "minute": 11, "second": 9}
